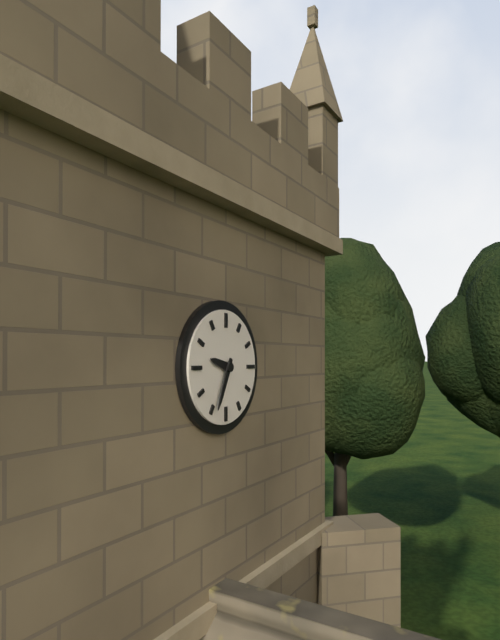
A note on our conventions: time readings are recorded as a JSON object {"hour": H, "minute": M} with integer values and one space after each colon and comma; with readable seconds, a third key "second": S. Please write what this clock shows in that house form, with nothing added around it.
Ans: {"hour": 9, "minute": 34}
